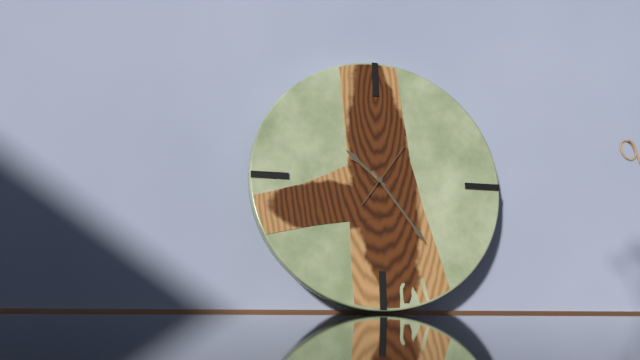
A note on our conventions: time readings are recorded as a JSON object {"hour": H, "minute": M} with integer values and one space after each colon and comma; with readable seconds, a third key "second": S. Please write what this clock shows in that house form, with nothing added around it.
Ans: {"hour": 10, "minute": 24, "second": 6}
